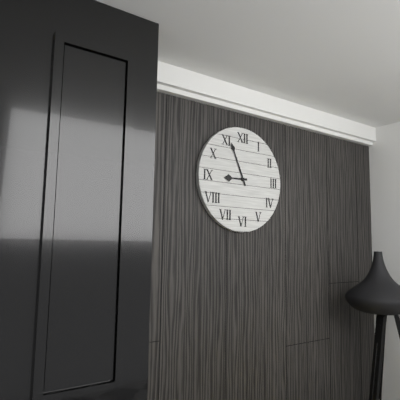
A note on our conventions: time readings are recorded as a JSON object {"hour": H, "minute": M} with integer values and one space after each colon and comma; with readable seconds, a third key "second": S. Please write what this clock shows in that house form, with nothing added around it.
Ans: {"hour": 8, "minute": 56}
